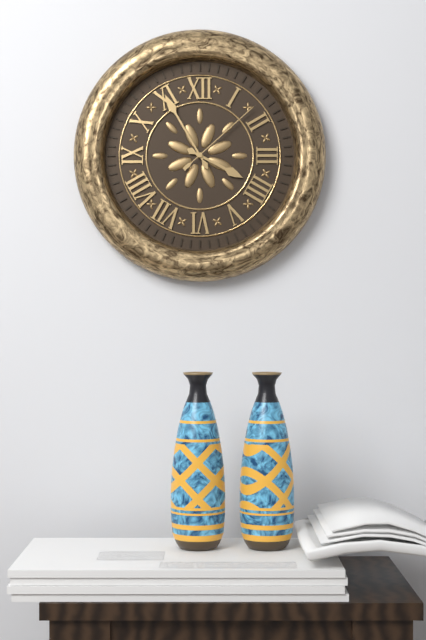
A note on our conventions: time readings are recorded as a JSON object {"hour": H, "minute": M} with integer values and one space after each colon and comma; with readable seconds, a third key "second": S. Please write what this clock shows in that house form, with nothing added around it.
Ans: {"hour": 3, "minute": 55, "second": 8}
